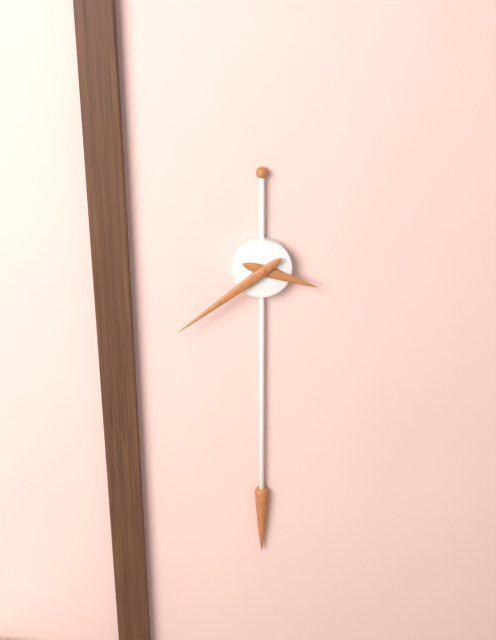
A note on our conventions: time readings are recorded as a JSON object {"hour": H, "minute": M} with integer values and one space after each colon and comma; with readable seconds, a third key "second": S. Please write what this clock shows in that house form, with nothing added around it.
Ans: {"hour": 3, "minute": 39}
